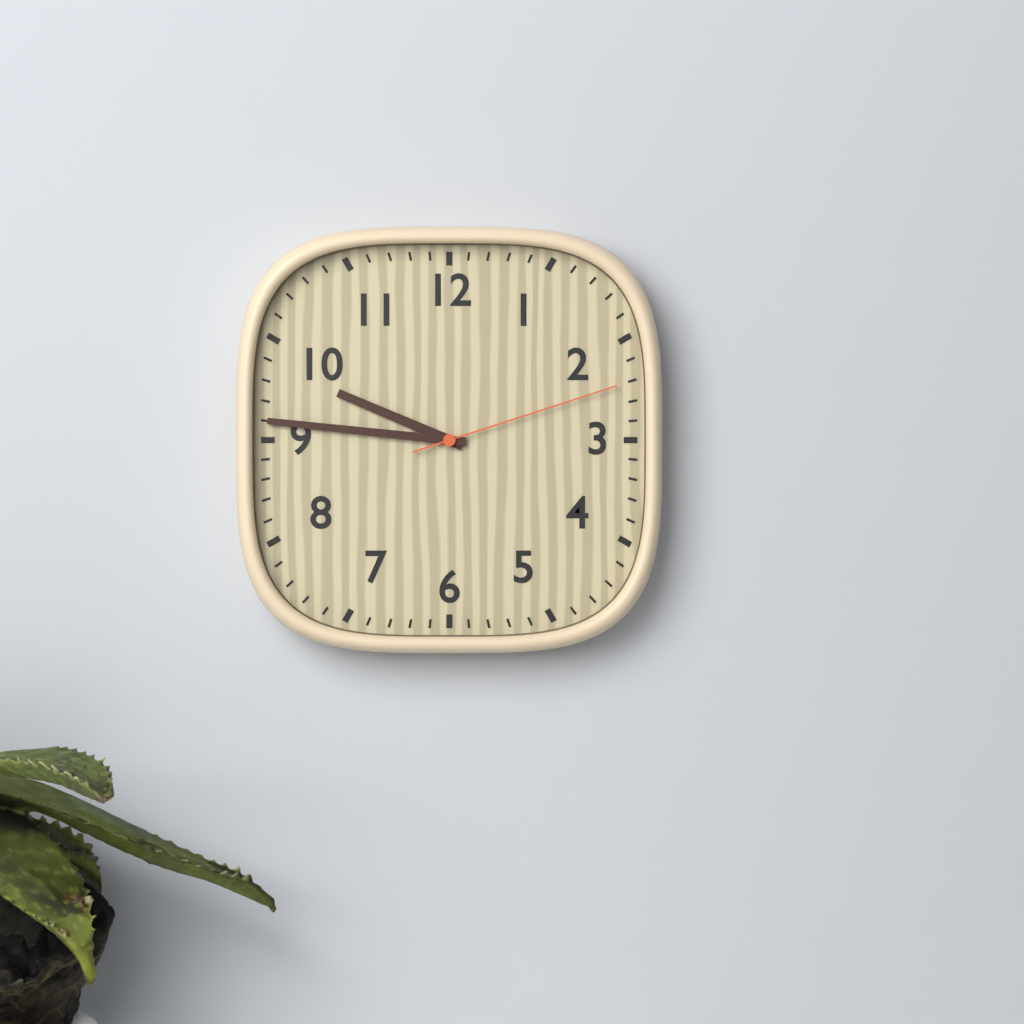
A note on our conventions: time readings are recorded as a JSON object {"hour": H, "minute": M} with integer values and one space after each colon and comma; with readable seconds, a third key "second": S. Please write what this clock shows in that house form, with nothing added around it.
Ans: {"hour": 9, "minute": 46, "second": 12}
